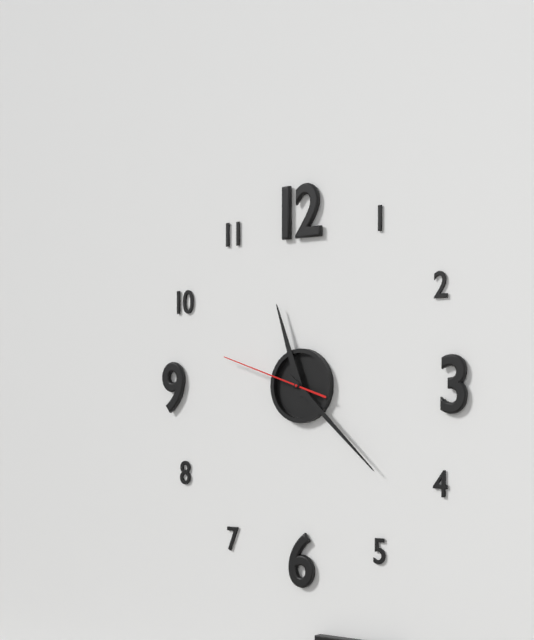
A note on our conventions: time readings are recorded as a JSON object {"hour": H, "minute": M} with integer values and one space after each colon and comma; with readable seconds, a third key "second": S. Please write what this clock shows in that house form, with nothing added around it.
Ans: {"hour": 11, "minute": 22, "second": 48}
